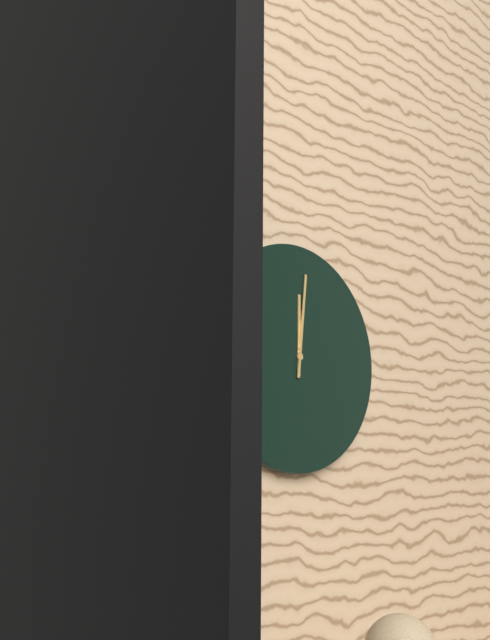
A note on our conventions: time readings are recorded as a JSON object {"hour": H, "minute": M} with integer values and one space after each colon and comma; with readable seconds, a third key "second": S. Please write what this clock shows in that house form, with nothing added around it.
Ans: {"hour": 12, "minute": 1}
